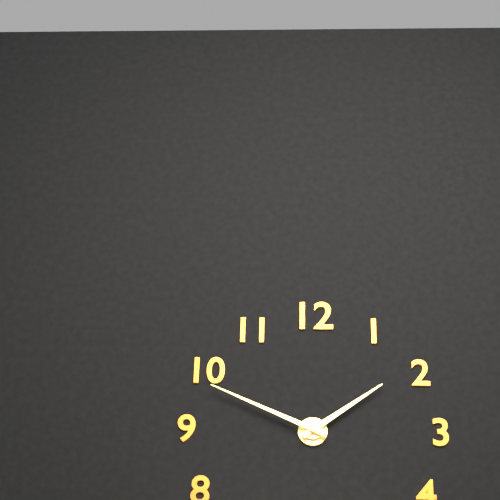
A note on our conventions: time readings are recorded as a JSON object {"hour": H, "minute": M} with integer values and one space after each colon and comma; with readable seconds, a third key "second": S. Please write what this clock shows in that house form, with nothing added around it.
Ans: {"hour": 1, "minute": 49}
